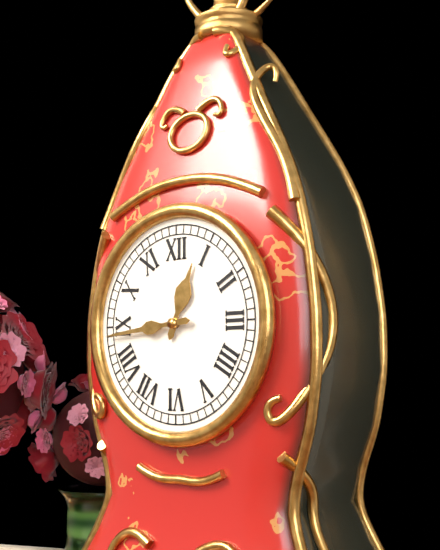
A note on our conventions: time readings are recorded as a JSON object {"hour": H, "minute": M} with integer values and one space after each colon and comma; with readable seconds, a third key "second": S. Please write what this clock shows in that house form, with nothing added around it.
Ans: {"hour": 12, "minute": 44}
